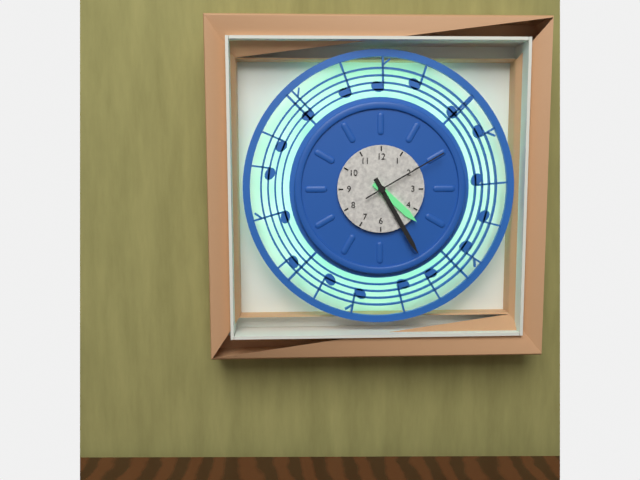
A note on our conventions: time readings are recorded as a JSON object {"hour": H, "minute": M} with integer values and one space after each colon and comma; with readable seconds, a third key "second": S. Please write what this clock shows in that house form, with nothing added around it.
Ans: {"hour": 4, "minute": 25, "second": 10}
